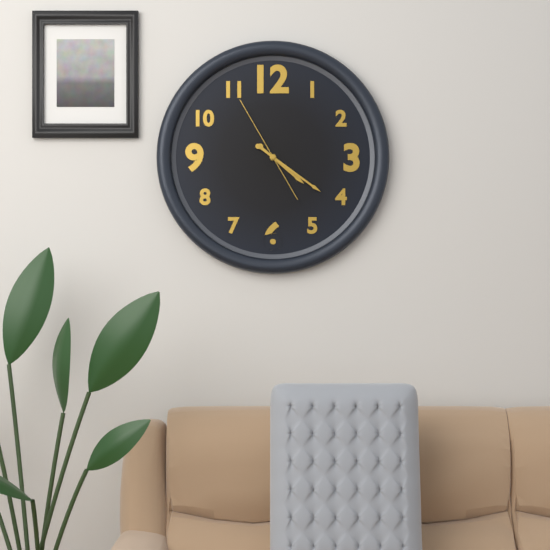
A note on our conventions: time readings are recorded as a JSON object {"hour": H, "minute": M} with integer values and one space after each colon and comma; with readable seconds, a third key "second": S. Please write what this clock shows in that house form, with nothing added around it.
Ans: {"hour": 4, "minute": 21, "second": 55}
